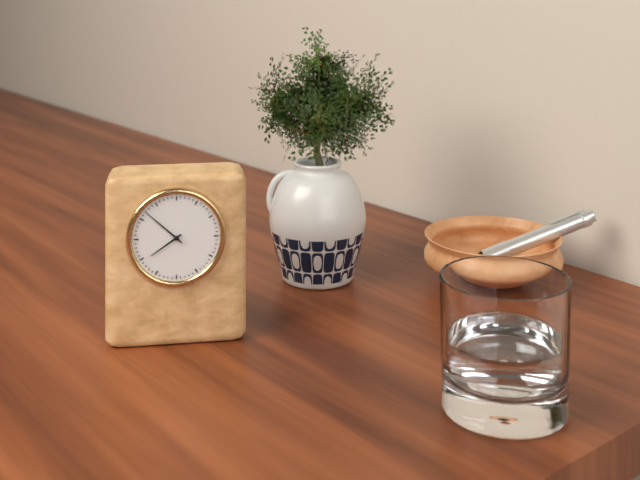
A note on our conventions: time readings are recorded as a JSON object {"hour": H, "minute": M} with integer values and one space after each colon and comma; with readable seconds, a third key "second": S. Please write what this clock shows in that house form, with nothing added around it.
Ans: {"hour": 7, "minute": 52}
